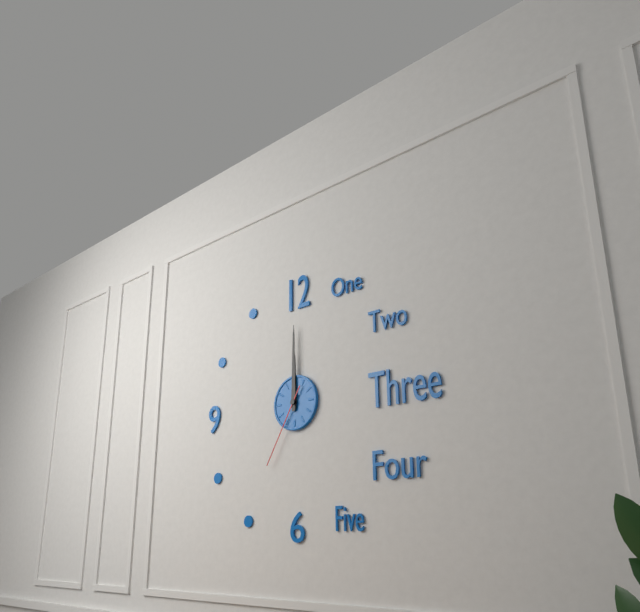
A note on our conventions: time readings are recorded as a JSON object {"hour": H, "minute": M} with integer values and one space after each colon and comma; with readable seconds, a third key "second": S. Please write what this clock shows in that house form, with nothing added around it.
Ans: {"hour": 12, "minute": 0, "second": 35}
